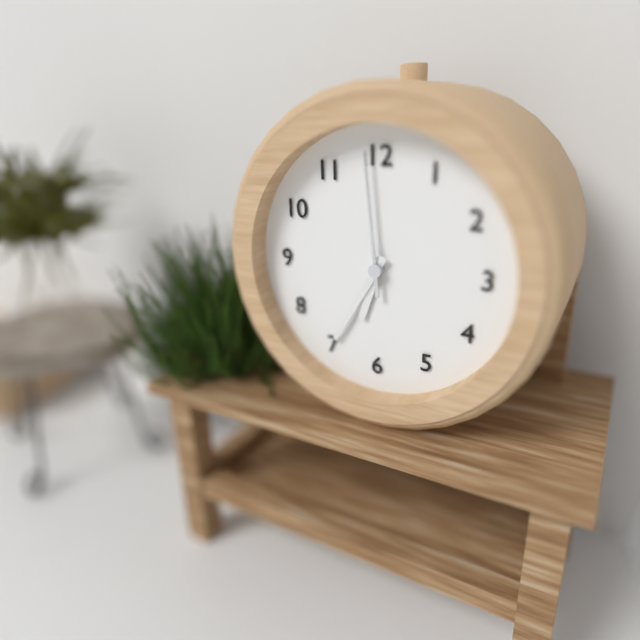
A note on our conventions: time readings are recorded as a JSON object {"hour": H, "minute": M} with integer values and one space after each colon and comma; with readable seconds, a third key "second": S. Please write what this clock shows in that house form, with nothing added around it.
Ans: {"hour": 6, "minute": 35, "second": 59}
